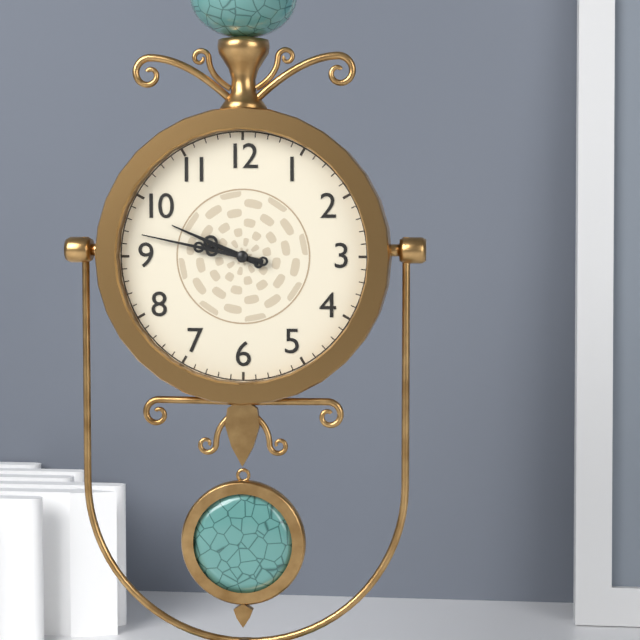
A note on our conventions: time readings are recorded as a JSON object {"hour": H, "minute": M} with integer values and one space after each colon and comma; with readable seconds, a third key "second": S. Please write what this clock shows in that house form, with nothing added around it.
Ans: {"hour": 9, "minute": 47}
